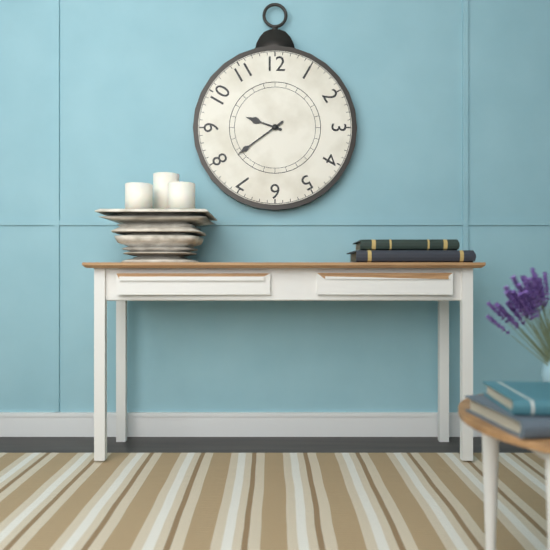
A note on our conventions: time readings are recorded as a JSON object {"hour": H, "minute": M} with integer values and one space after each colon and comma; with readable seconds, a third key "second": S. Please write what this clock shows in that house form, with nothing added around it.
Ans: {"hour": 9, "minute": 39}
